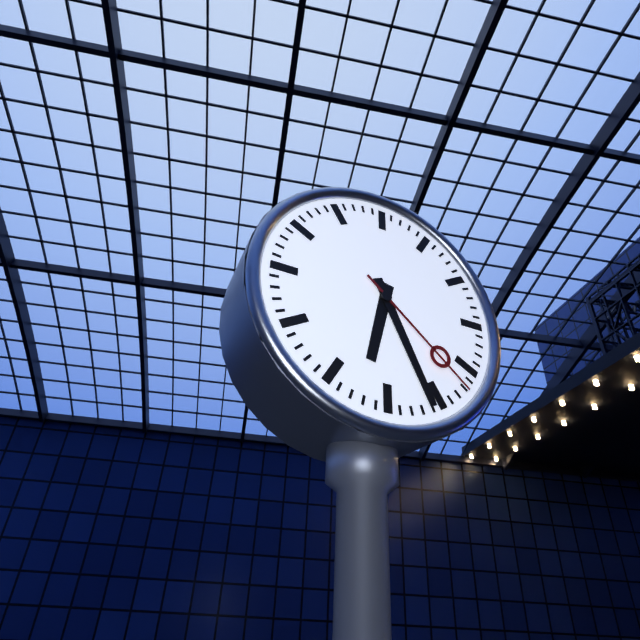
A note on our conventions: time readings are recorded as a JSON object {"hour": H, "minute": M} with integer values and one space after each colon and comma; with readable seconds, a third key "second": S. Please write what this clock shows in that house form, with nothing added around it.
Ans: {"hour": 6, "minute": 26, "second": 22}
